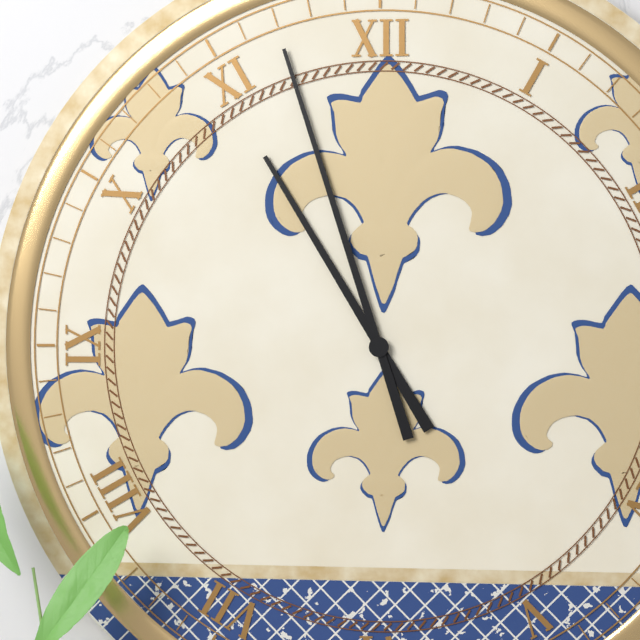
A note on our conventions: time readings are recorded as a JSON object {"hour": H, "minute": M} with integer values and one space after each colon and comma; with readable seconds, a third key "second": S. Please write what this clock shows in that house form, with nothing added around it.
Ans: {"hour": 10, "minute": 57}
